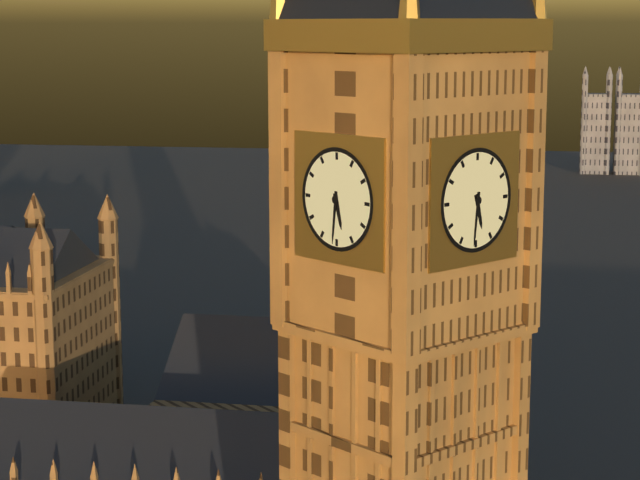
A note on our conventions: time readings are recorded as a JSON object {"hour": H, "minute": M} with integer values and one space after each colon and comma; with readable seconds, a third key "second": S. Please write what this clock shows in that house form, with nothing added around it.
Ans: {"hour": 5, "minute": 31}
